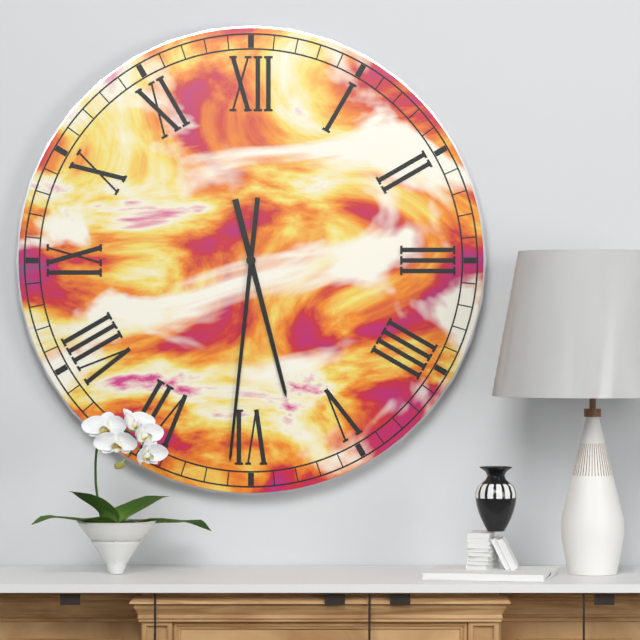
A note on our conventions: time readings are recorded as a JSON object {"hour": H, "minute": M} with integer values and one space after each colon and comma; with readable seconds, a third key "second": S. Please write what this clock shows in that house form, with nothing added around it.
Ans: {"hour": 5, "minute": 31}
